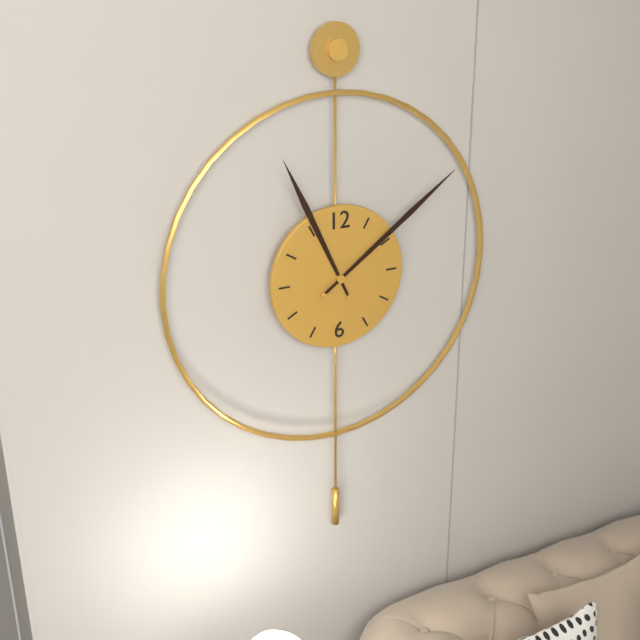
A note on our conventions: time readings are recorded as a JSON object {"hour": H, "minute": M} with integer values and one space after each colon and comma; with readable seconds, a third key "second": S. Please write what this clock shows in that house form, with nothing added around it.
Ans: {"hour": 11, "minute": 9}
